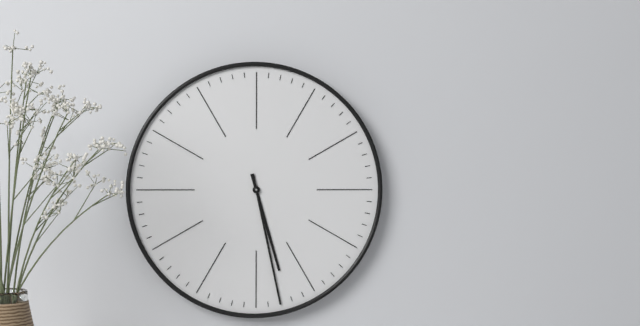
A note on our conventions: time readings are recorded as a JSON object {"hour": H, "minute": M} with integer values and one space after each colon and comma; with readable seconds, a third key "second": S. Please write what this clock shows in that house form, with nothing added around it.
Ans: {"hour": 5, "minute": 28}
